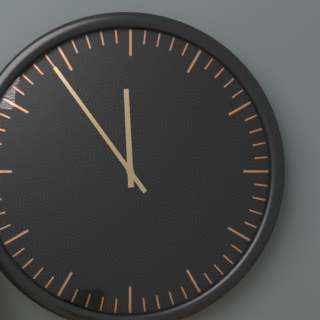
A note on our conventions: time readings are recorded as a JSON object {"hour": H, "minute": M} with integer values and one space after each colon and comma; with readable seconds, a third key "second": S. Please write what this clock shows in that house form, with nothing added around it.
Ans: {"hour": 11, "minute": 54}
